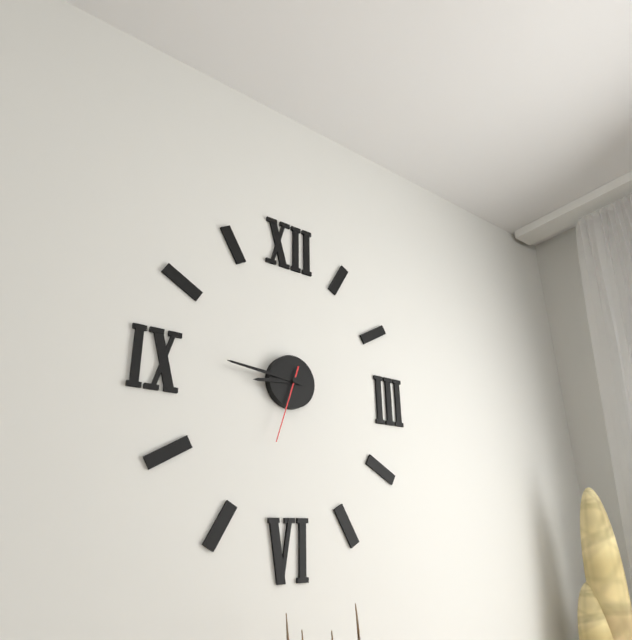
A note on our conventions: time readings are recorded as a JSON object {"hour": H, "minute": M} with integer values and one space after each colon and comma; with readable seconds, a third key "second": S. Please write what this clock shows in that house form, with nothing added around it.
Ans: {"hour": 8, "minute": 46, "second": 33}
